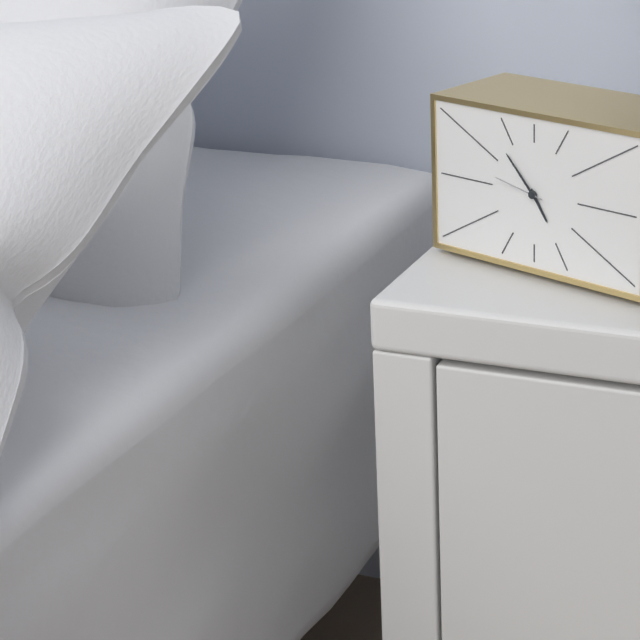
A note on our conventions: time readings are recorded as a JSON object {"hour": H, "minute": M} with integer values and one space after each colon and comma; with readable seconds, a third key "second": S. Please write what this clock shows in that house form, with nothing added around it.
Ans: {"hour": 4, "minute": 53, "second": 47}
